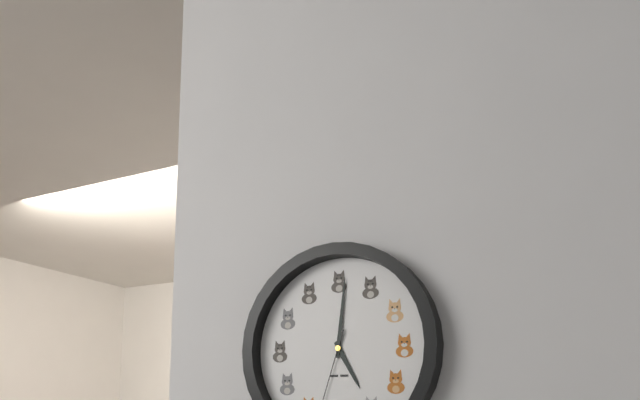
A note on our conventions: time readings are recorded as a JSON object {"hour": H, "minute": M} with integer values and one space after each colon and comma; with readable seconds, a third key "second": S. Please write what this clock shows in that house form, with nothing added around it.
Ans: {"hour": 5, "minute": 1}
